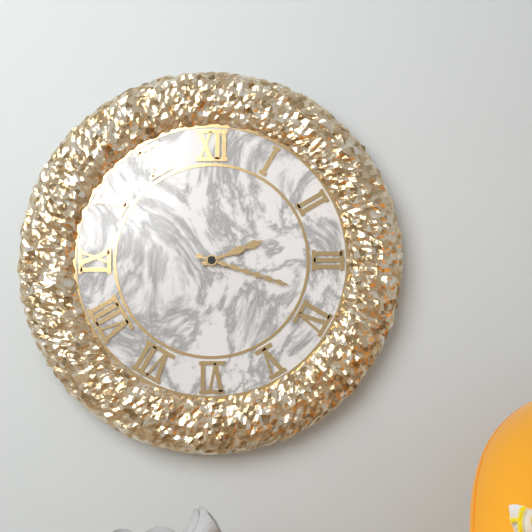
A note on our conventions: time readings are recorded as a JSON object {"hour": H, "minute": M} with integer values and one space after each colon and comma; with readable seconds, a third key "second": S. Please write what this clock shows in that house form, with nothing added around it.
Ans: {"hour": 2, "minute": 18}
